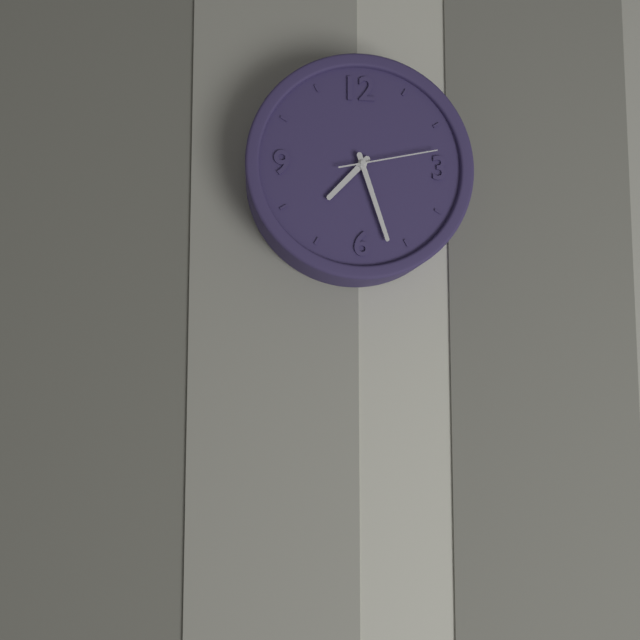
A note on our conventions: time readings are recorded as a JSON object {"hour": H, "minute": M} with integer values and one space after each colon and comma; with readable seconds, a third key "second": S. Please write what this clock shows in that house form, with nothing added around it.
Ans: {"hour": 7, "minute": 27, "second": 13}
